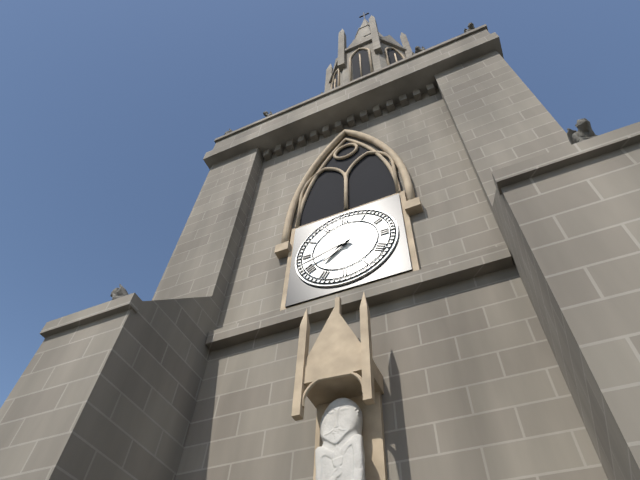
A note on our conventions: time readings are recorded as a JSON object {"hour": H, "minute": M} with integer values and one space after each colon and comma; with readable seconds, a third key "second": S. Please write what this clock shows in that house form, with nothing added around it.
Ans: {"hour": 7, "minute": 42}
